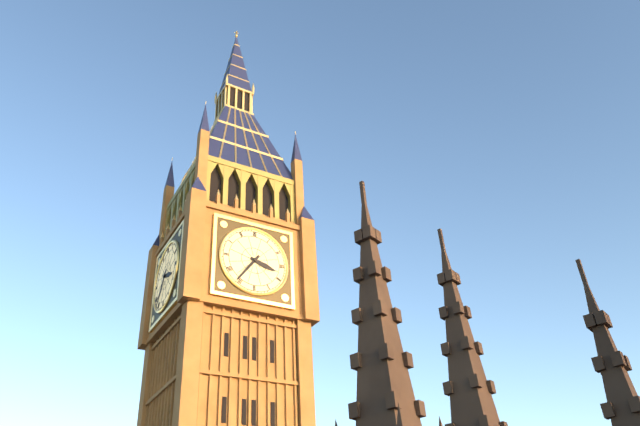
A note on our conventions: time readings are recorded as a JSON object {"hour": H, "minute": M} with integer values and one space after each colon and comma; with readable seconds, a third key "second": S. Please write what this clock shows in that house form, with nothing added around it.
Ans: {"hour": 3, "minute": 36}
